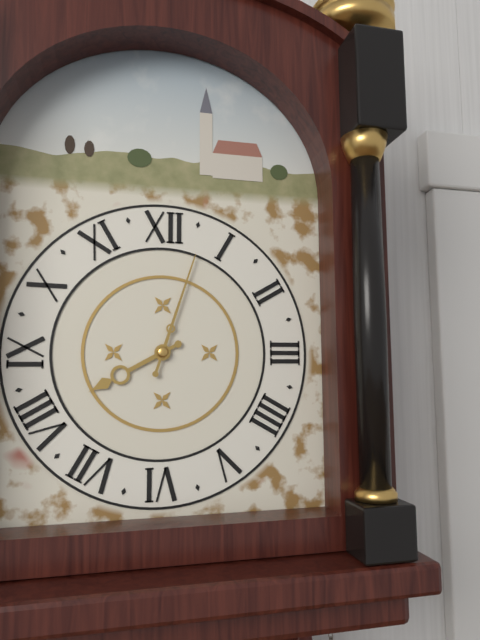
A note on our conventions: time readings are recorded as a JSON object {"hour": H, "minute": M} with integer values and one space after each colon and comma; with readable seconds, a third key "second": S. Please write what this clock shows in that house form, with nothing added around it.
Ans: {"hour": 8, "minute": 3}
